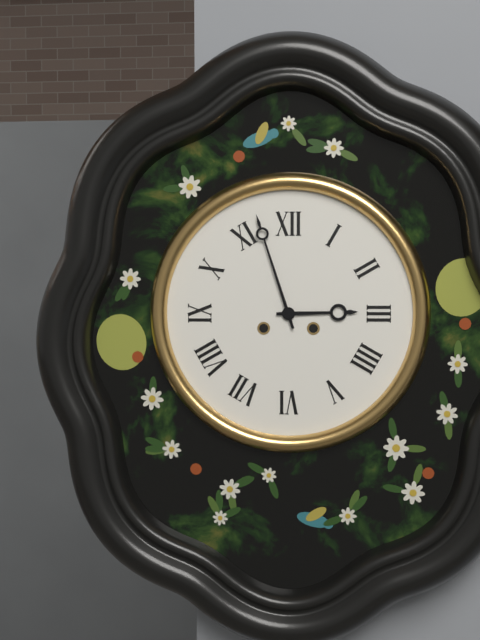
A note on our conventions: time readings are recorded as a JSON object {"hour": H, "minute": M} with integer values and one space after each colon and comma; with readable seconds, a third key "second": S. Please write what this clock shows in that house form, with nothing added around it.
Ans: {"hour": 2, "minute": 57}
